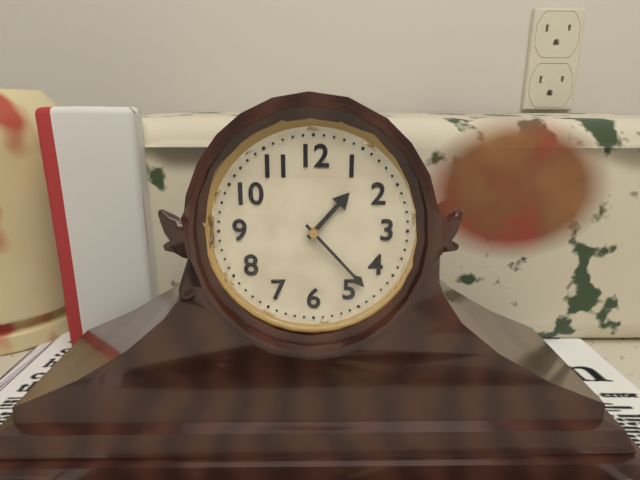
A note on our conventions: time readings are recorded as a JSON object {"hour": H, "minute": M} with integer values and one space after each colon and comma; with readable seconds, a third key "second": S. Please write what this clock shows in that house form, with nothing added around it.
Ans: {"hour": 1, "minute": 23}
